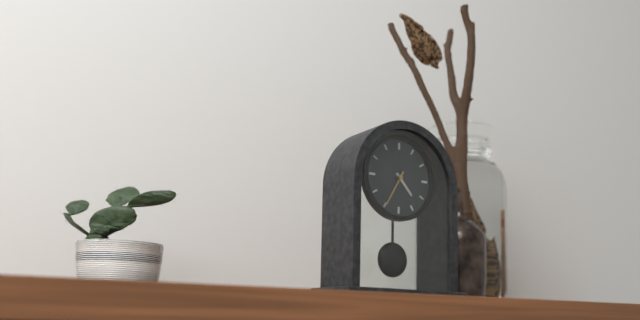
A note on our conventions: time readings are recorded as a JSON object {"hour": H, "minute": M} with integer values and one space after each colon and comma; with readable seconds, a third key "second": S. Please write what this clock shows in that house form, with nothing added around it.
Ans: {"hour": 4, "minute": 35}
